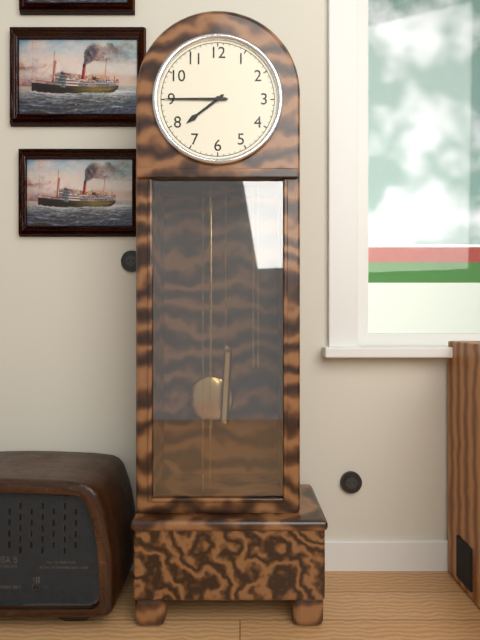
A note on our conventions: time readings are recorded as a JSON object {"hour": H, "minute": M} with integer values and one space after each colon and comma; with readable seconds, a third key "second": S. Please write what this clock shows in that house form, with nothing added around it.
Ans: {"hour": 7, "minute": 45}
